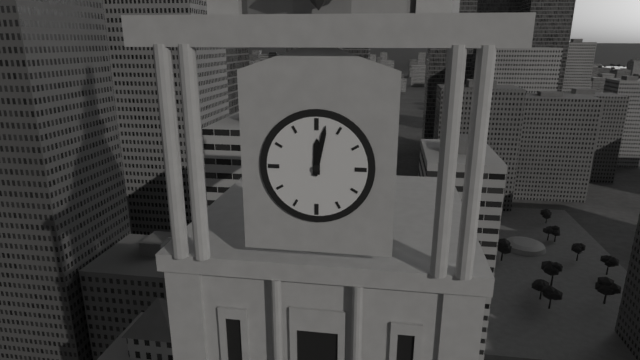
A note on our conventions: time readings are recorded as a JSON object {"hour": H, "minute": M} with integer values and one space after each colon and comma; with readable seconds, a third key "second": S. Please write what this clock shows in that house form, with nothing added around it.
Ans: {"hour": 12, "minute": 2}
